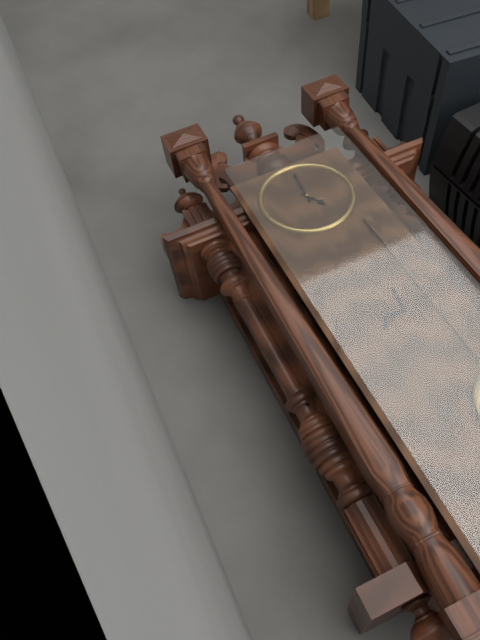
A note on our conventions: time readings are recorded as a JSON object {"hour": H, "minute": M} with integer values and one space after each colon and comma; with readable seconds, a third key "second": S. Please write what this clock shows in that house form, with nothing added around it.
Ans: {"hour": 5, "minute": 1}
